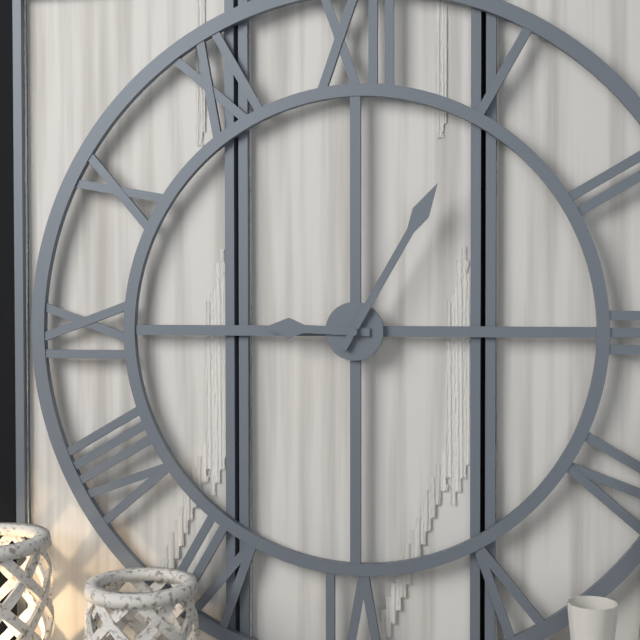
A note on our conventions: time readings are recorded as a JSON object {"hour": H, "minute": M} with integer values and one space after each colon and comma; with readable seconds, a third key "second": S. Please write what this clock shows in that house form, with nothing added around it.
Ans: {"hour": 9, "minute": 5}
